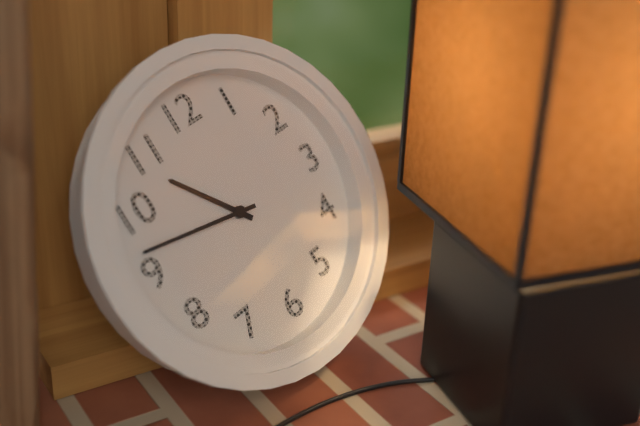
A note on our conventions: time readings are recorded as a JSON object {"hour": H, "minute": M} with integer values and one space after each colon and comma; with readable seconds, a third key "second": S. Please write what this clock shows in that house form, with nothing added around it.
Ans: {"hour": 10, "minute": 47}
